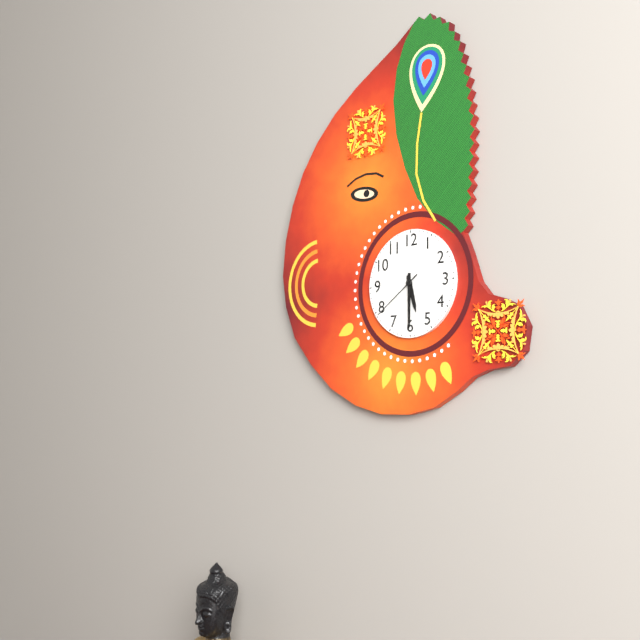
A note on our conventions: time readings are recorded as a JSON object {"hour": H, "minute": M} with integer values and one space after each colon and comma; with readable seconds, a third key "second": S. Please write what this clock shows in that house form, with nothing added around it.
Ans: {"hour": 5, "minute": 30, "second": 39}
